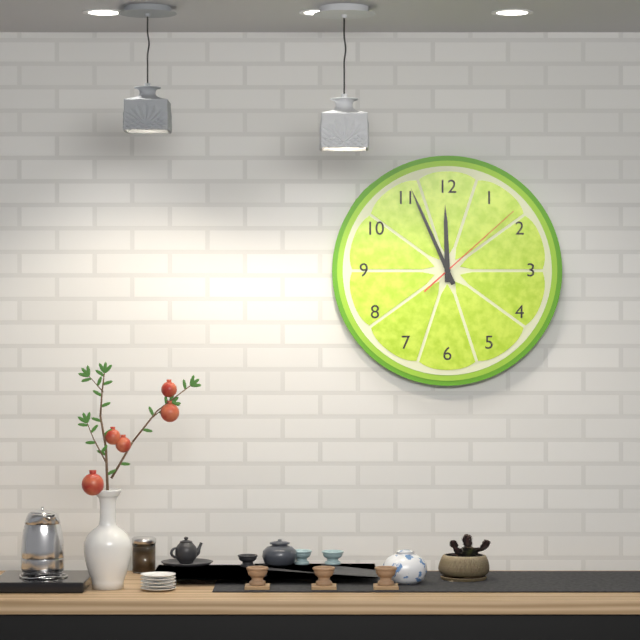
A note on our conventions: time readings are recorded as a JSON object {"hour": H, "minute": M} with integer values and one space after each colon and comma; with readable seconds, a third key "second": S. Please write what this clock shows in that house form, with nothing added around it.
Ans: {"hour": 11, "minute": 56, "second": 8}
